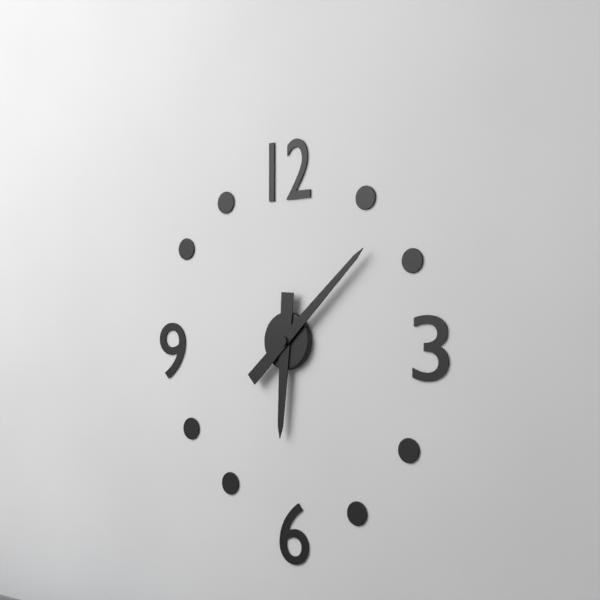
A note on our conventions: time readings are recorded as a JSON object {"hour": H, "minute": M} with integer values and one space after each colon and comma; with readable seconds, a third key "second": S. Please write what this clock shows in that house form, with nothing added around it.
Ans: {"hour": 6, "minute": 8}
